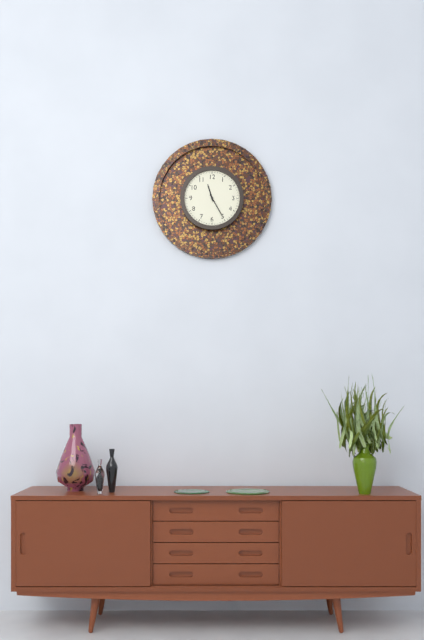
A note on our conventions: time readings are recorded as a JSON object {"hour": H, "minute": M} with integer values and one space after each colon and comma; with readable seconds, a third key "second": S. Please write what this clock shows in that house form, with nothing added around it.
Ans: {"hour": 11, "minute": 25}
